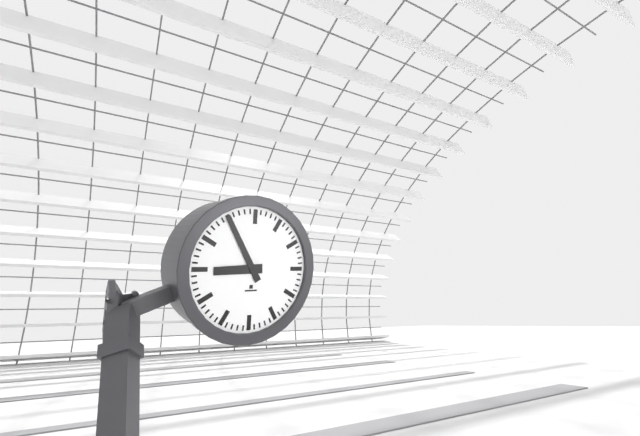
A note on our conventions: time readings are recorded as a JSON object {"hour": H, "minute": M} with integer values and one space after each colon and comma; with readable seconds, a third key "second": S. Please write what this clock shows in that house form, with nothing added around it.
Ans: {"hour": 8, "minute": 55}
